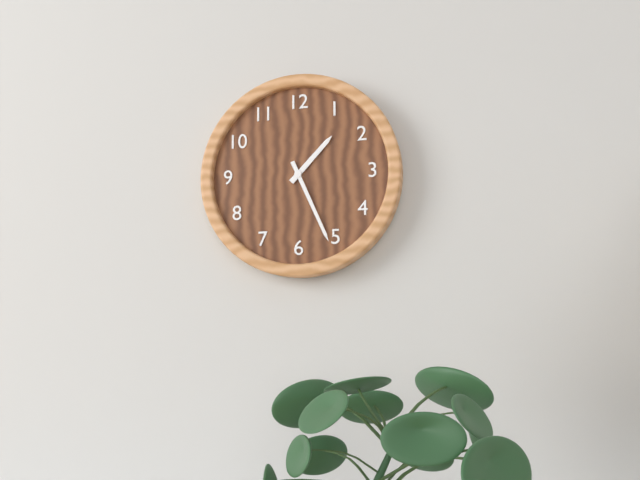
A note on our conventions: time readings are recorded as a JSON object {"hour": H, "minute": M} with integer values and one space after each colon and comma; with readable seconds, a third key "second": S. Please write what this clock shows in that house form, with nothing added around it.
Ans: {"hour": 1, "minute": 26}
